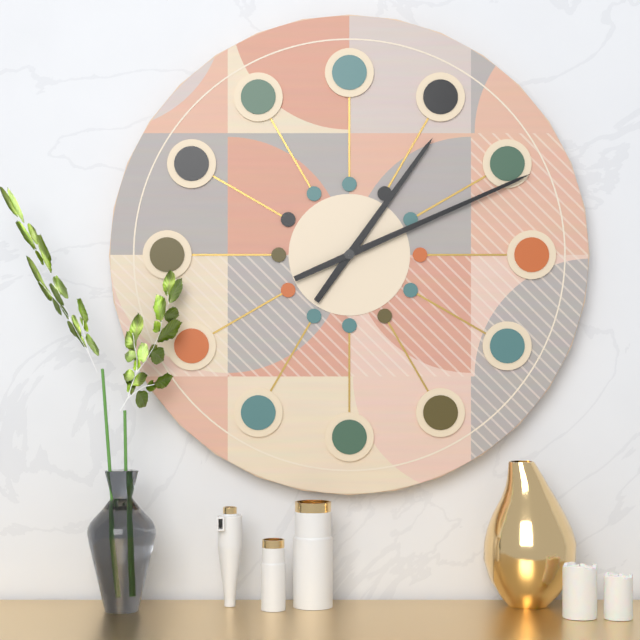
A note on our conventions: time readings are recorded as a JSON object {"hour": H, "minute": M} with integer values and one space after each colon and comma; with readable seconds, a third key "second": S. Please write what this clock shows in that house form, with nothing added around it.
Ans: {"hour": 1, "minute": 11}
